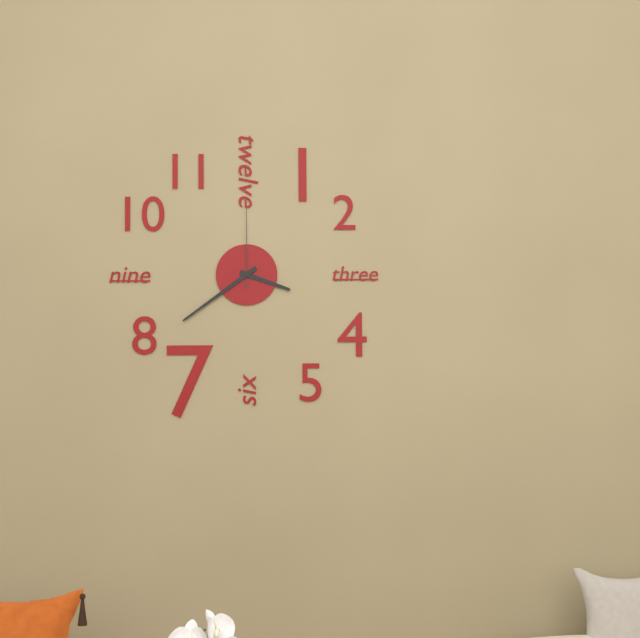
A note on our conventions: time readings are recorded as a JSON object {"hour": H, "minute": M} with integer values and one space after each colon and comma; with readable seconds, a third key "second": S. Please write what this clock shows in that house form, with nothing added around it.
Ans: {"hour": 3, "minute": 39, "second": 0}
